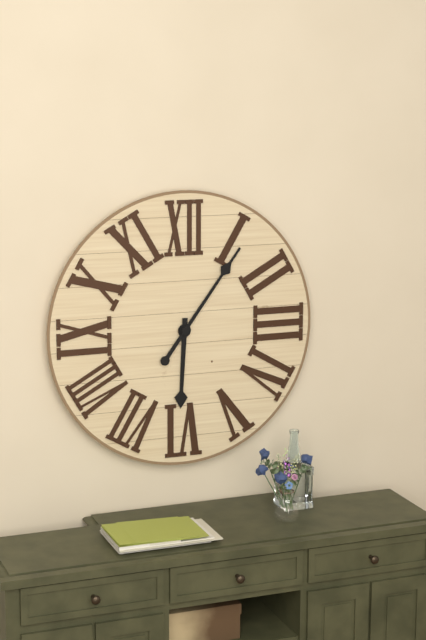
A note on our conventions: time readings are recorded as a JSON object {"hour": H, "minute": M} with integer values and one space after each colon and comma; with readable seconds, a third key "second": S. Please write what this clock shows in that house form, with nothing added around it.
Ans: {"hour": 6, "minute": 6}
